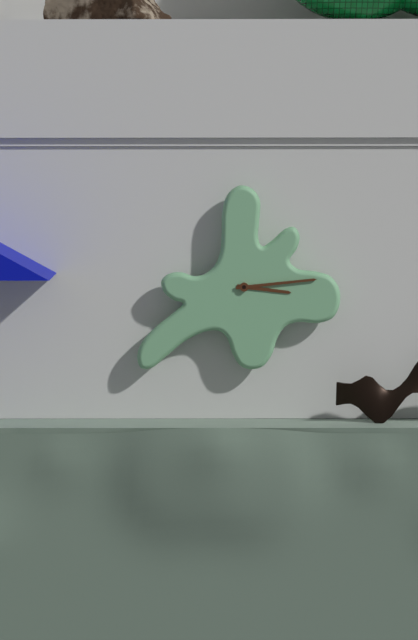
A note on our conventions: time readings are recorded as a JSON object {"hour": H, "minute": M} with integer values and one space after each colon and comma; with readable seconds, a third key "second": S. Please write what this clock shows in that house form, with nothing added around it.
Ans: {"hour": 3, "minute": 14}
